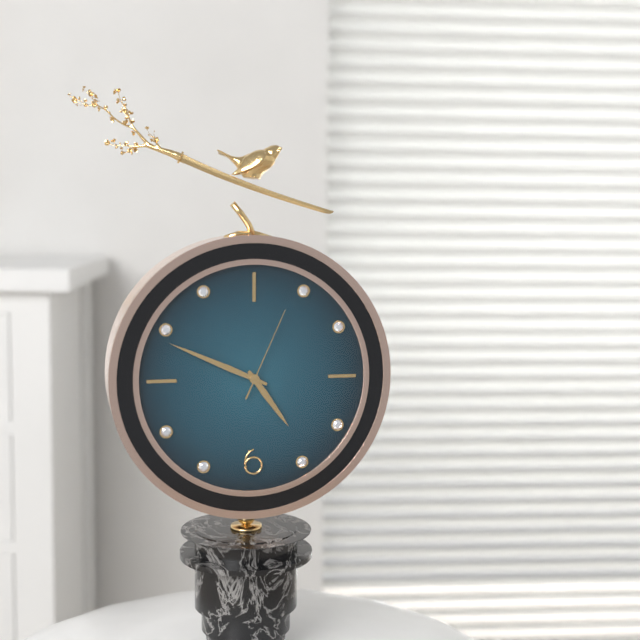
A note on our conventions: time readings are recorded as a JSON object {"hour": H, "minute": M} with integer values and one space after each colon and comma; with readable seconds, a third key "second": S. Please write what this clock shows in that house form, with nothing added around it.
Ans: {"hour": 4, "minute": 49, "second": 4}
